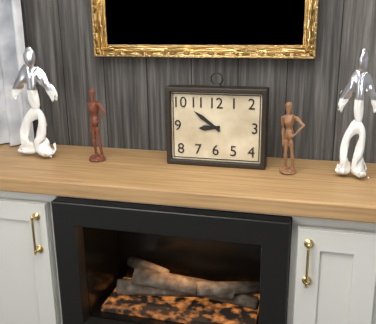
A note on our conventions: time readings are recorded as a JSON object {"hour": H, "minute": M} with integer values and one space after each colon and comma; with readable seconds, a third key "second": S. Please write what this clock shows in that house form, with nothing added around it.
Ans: {"hour": 8, "minute": 51}
